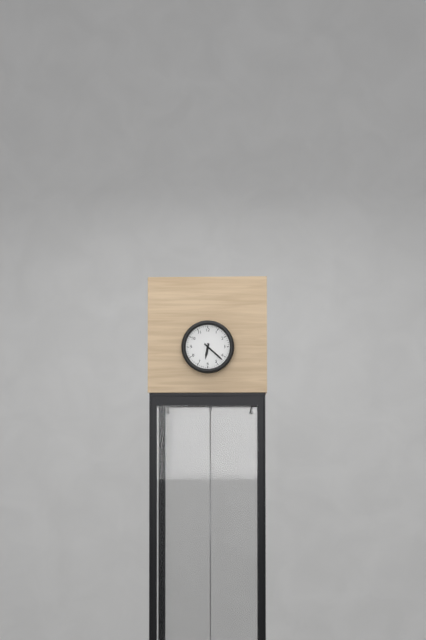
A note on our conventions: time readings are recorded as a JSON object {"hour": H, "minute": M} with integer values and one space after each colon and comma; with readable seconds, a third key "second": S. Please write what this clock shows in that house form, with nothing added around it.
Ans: {"hour": 6, "minute": 22}
